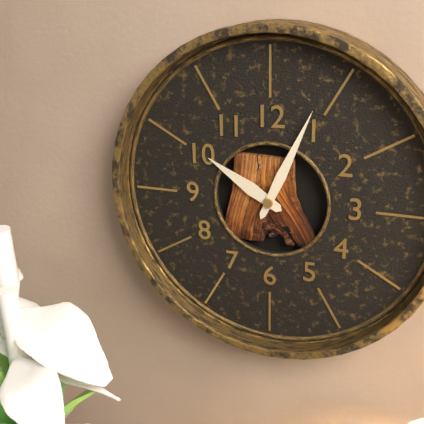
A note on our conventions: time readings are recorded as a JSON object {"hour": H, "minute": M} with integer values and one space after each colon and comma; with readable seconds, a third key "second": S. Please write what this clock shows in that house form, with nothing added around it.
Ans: {"hour": 10, "minute": 4}
